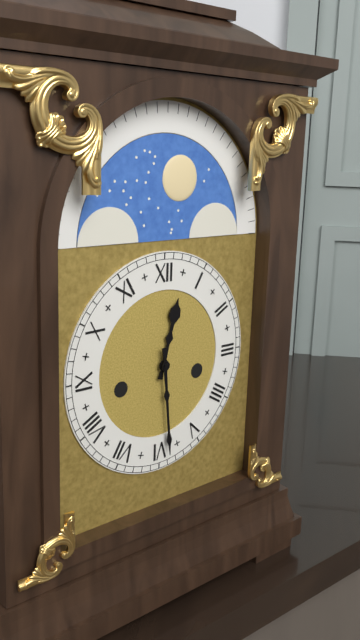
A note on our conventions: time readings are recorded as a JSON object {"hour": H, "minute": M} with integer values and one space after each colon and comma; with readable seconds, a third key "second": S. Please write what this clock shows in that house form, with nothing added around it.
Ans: {"hour": 12, "minute": 29}
